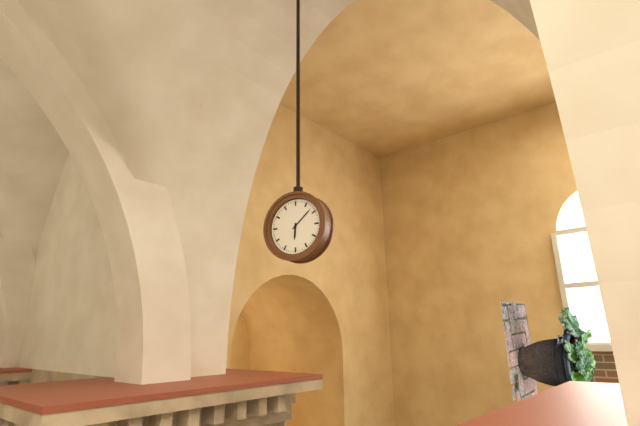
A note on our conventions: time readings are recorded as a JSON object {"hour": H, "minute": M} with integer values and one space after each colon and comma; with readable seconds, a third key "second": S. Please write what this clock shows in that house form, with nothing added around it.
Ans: {"hour": 6, "minute": 8}
